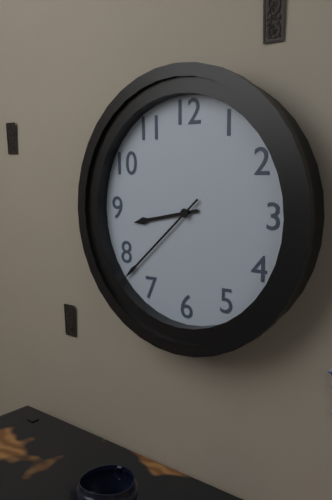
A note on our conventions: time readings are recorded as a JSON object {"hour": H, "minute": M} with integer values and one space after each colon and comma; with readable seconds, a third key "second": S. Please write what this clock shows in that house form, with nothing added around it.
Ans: {"hour": 8, "minute": 38}
